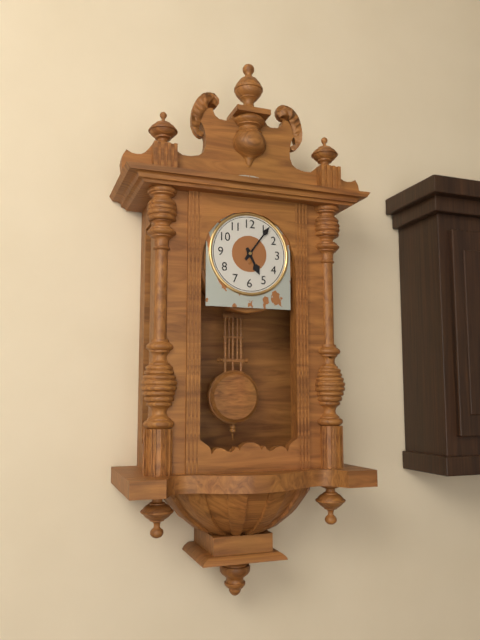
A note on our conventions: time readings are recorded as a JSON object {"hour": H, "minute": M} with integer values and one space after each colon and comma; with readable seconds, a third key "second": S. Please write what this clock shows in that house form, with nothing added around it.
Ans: {"hour": 5, "minute": 6}
